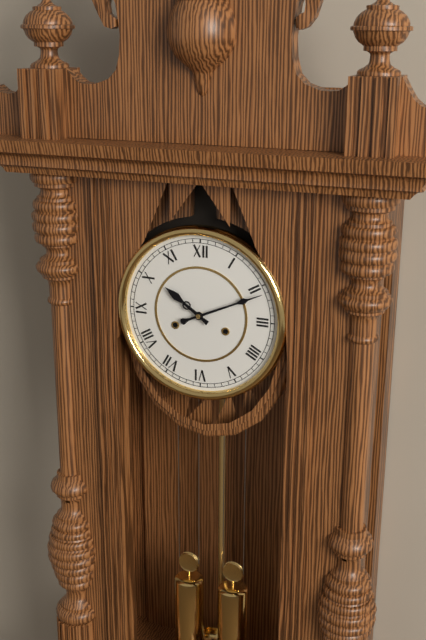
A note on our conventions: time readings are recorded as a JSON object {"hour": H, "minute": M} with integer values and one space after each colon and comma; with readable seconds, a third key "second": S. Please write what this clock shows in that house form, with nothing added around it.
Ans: {"hour": 10, "minute": 11}
